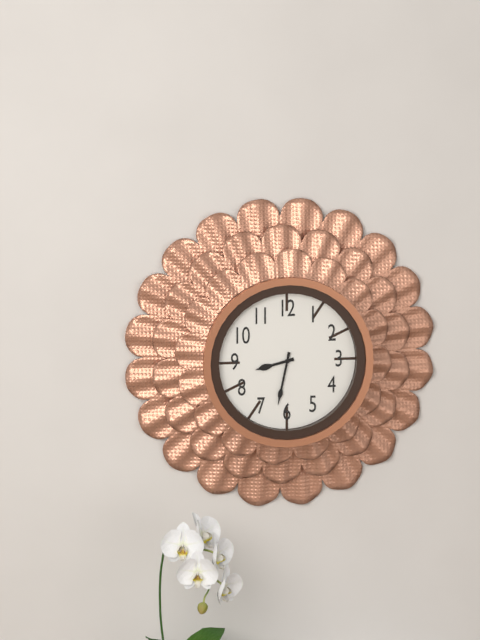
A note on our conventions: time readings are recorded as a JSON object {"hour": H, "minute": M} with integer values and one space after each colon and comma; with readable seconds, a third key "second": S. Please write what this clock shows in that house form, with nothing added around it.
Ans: {"hour": 8, "minute": 32}
